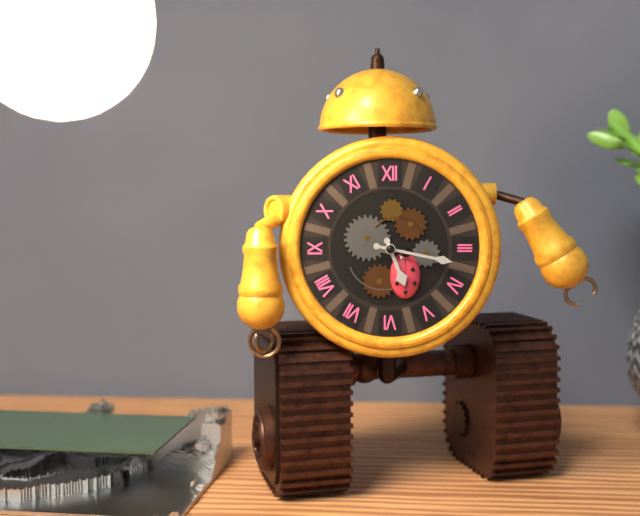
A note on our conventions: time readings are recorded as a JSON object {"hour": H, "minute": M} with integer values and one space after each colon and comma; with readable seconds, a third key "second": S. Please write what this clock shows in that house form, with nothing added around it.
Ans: {"hour": 5, "minute": 17}
